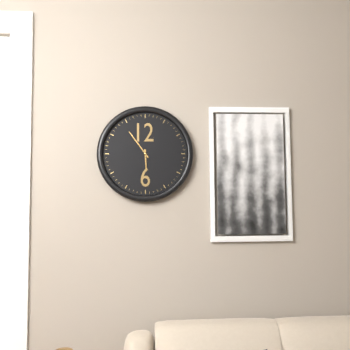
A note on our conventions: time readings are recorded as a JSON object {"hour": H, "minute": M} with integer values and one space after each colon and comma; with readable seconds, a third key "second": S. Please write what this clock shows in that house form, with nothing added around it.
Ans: {"hour": 5, "minute": 54}
